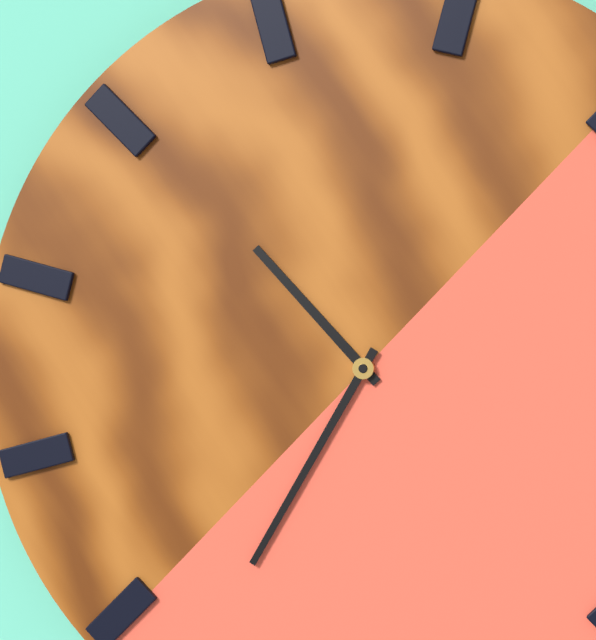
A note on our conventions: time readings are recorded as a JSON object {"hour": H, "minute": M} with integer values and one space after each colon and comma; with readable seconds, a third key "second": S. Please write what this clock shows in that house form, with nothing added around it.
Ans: {"hour": 10, "minute": 35}
